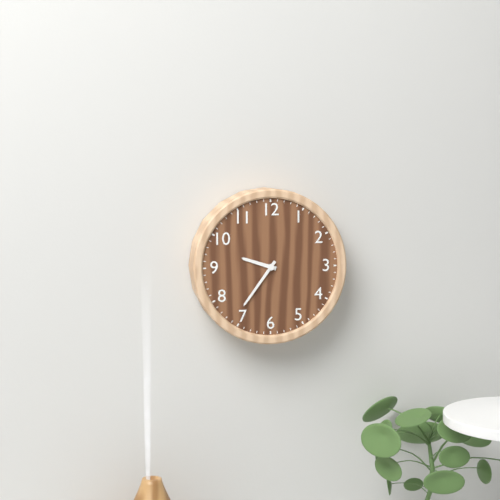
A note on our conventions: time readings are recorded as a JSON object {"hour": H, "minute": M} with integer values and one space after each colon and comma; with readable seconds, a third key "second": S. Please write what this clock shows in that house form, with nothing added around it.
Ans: {"hour": 9, "minute": 36}
